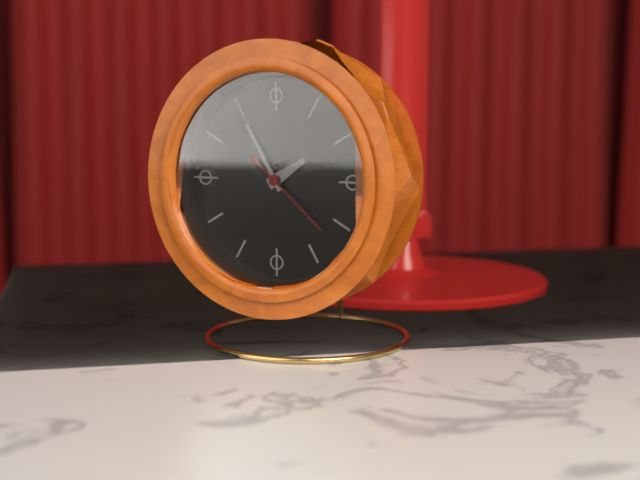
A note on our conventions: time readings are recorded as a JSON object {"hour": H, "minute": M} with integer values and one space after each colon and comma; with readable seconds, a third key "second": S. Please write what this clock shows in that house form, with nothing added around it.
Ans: {"hour": 1, "minute": 55, "second": 22}
